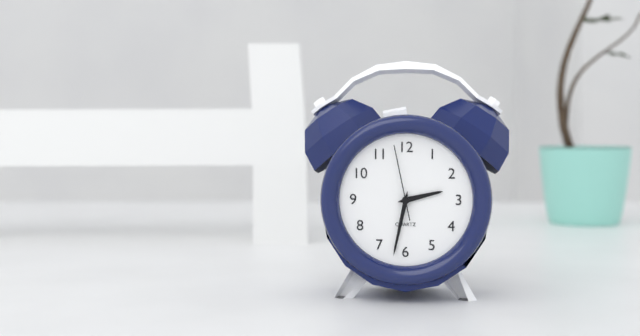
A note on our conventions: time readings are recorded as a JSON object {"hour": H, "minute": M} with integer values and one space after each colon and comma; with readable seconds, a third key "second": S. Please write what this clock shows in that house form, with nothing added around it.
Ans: {"hour": 2, "minute": 32, "second": 58}
